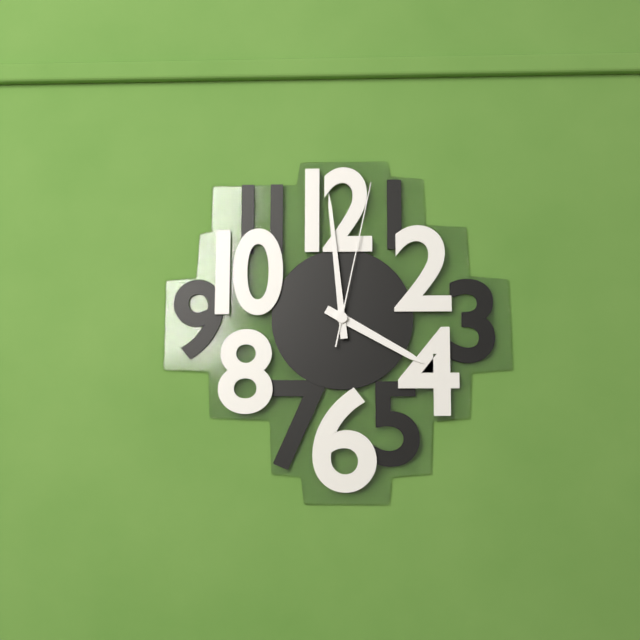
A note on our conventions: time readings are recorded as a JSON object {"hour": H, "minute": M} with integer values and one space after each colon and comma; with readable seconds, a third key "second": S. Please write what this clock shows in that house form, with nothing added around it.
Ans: {"hour": 3, "minute": 59, "second": 2}
